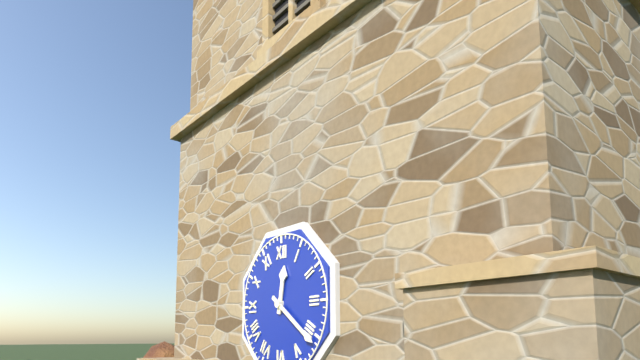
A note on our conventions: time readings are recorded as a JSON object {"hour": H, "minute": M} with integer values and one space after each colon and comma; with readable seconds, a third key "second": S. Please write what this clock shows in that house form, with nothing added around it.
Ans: {"hour": 12, "minute": 21}
